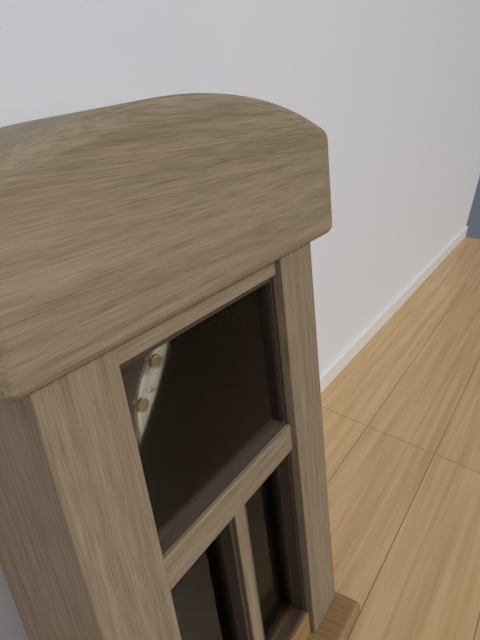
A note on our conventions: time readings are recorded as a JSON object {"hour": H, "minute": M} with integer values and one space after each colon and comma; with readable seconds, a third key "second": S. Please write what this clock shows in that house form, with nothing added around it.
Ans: {"hour": 12, "minute": 47}
